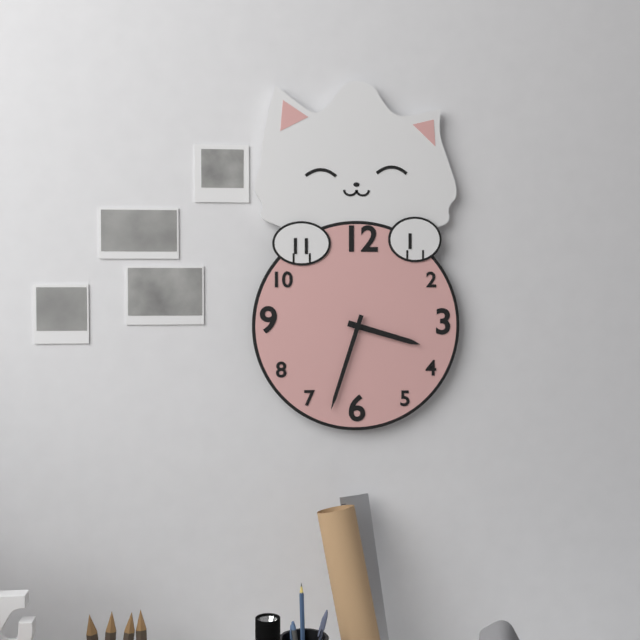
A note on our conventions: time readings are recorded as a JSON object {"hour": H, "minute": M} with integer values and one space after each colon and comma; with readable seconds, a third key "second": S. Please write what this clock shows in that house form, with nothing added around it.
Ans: {"hour": 3, "minute": 33}
